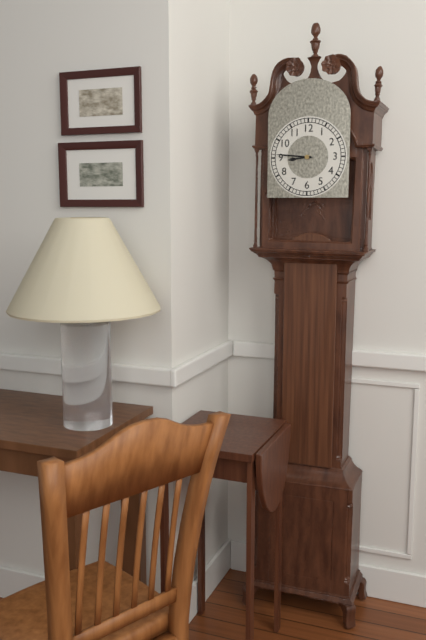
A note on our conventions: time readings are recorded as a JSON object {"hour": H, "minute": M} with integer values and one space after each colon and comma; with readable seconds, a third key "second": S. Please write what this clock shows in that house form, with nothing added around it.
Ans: {"hour": 8, "minute": 46}
